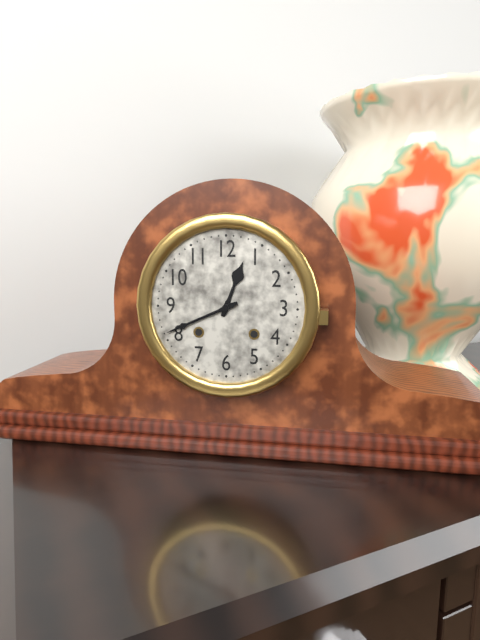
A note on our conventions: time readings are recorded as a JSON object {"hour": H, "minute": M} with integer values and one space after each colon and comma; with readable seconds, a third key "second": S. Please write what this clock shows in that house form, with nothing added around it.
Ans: {"hour": 12, "minute": 41}
